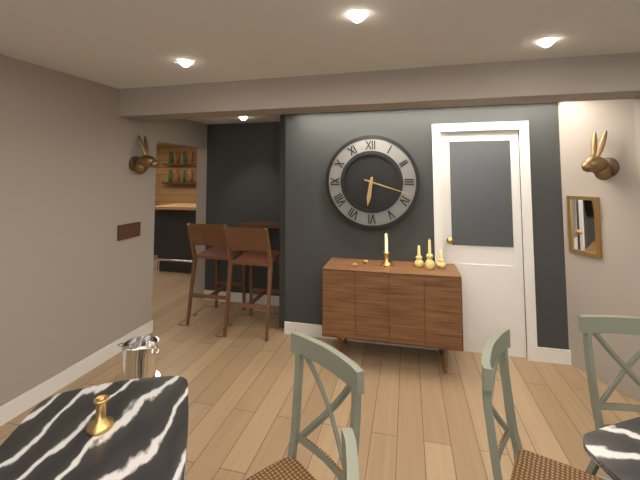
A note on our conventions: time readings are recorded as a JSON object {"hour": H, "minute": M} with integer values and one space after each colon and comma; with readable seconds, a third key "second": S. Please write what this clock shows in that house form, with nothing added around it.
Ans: {"hour": 6, "minute": 18}
